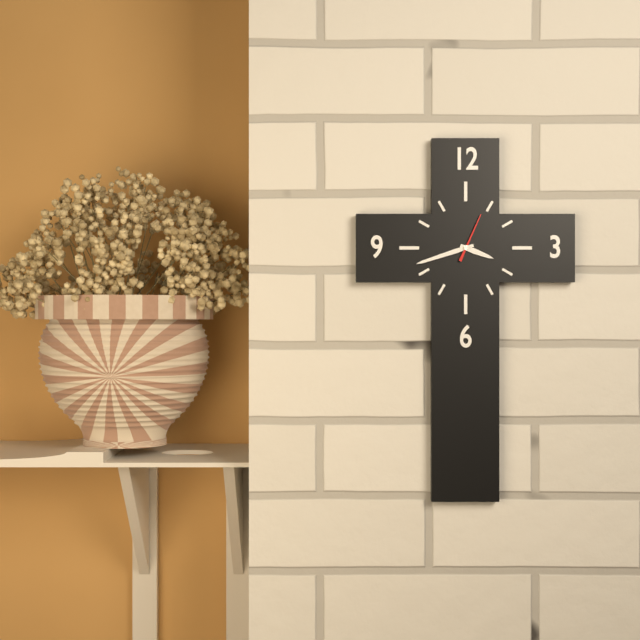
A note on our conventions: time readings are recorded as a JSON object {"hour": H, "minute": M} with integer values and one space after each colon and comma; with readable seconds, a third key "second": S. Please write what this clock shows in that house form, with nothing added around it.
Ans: {"hour": 3, "minute": 42}
